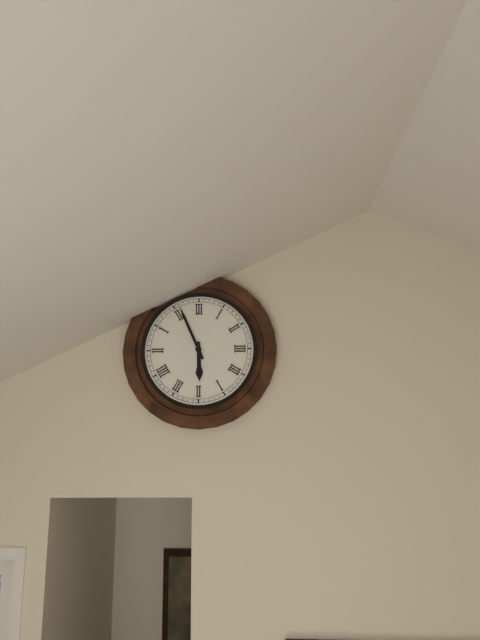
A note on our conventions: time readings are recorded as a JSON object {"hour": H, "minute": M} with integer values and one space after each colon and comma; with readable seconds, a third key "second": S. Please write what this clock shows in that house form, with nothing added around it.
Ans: {"hour": 5, "minute": 56}
